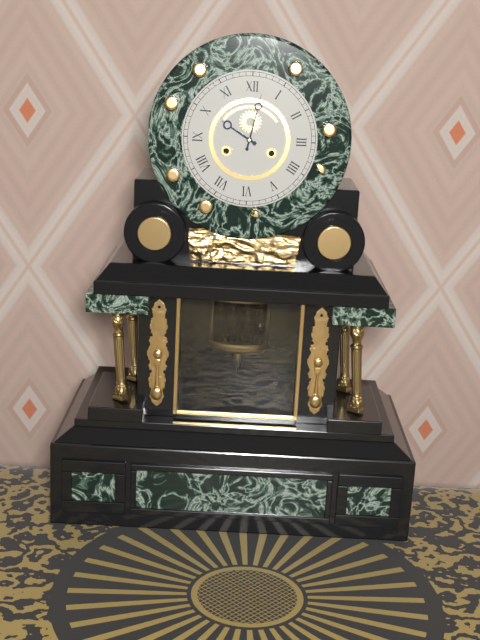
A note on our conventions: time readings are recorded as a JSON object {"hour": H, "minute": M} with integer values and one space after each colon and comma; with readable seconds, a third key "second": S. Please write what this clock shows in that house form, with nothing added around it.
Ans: {"hour": 10, "minute": 2}
